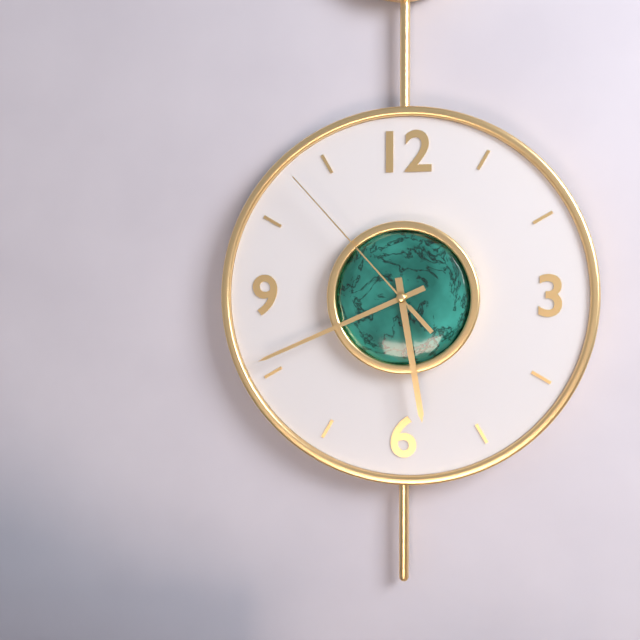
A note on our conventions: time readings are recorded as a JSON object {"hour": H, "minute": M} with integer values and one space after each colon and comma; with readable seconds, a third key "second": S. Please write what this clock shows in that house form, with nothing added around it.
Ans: {"hour": 5, "minute": 41, "second": 53}
